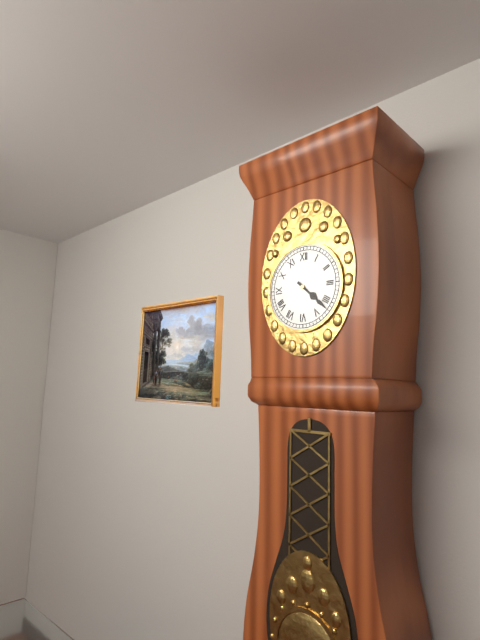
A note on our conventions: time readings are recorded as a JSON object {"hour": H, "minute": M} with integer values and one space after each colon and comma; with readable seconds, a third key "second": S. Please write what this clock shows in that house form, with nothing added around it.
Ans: {"hour": 4, "minute": 22}
